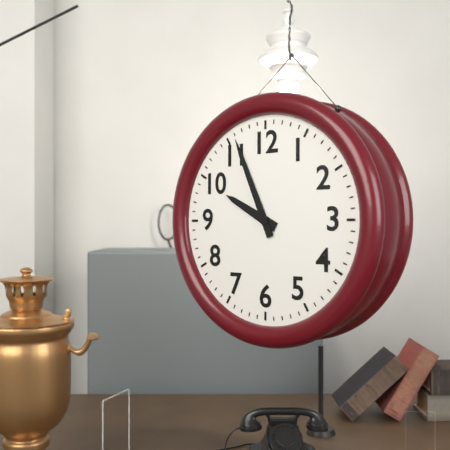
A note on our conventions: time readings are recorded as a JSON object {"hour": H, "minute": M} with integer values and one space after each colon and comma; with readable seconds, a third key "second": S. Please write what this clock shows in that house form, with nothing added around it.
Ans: {"hour": 9, "minute": 56}
